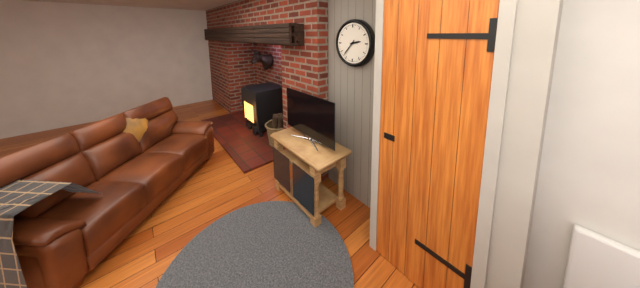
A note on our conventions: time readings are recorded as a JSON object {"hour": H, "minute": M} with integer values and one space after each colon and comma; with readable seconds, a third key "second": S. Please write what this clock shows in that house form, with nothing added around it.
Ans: {"hour": 2, "minute": 37}
